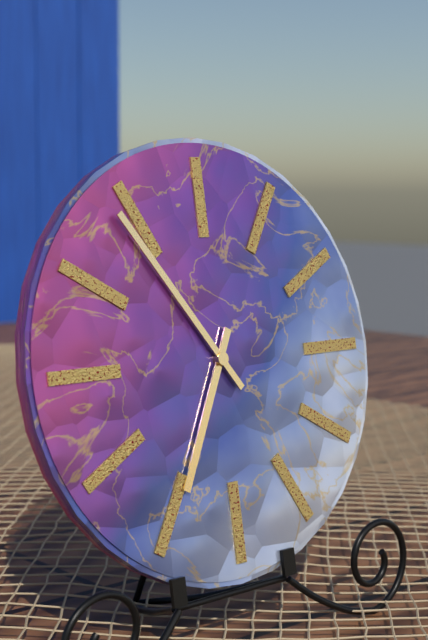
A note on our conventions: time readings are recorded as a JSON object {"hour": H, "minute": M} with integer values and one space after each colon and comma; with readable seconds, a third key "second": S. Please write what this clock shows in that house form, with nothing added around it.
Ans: {"hour": 6, "minute": 54}
